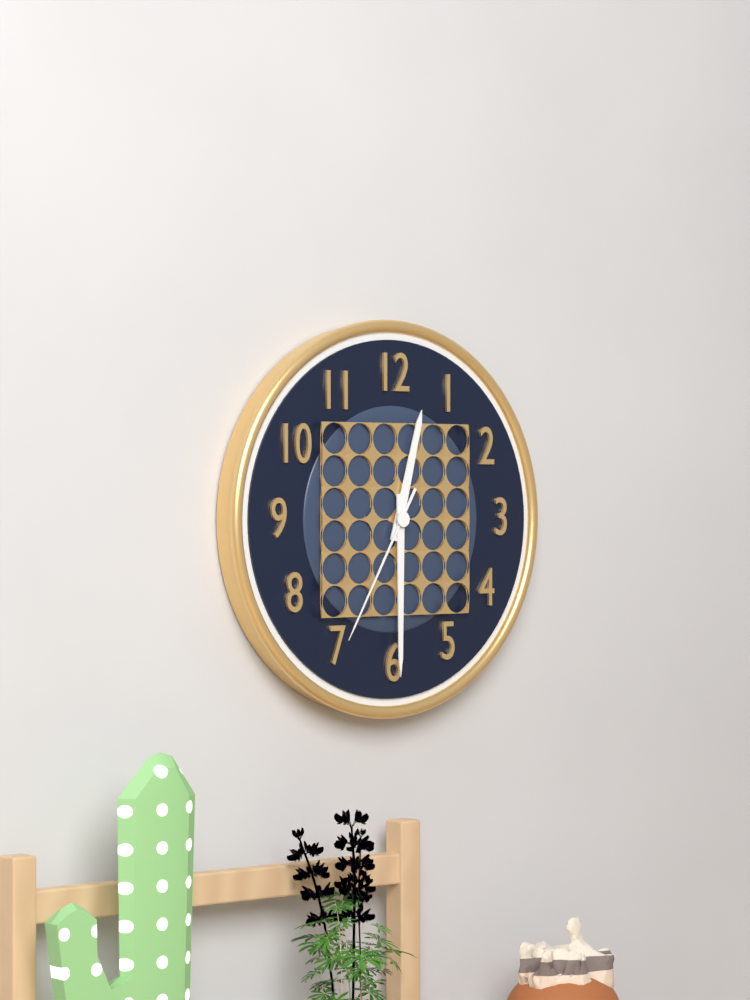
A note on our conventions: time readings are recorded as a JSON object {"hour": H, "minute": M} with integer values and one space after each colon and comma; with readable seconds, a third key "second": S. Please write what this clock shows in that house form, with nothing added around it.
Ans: {"hour": 12, "minute": 30, "second": 35}
